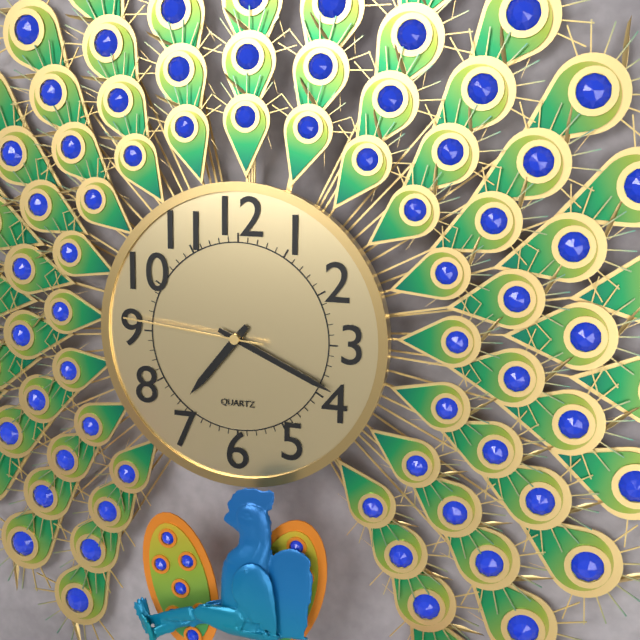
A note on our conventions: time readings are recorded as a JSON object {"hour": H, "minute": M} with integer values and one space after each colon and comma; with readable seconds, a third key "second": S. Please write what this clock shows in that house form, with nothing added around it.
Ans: {"hour": 7, "minute": 19, "second": 46}
